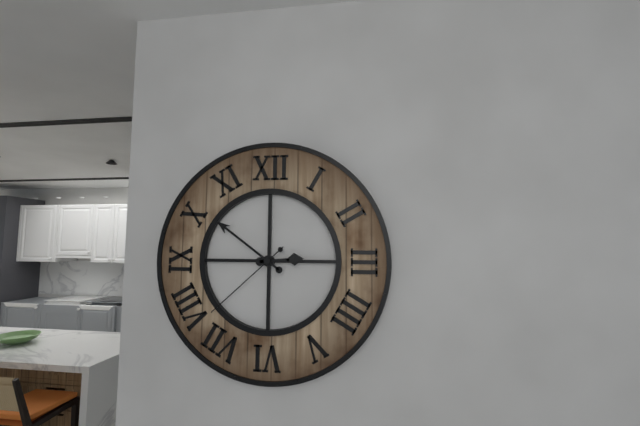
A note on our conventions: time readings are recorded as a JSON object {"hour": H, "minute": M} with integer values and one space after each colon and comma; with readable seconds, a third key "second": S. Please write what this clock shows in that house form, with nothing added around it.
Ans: {"hour": 2, "minute": 51, "second": 38}
